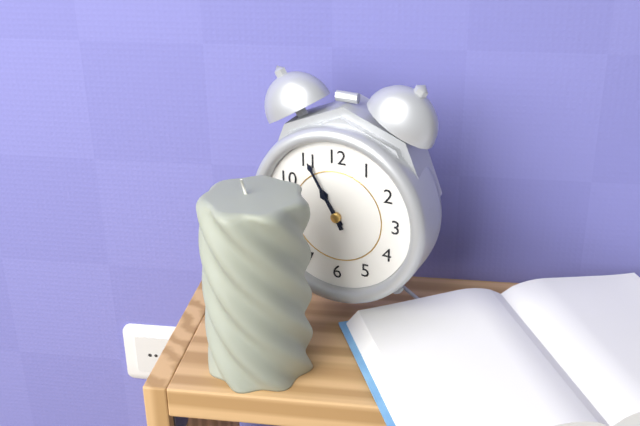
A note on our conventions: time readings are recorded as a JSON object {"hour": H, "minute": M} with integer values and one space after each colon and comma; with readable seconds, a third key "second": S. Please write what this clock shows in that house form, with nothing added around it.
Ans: {"hour": 10, "minute": 55}
